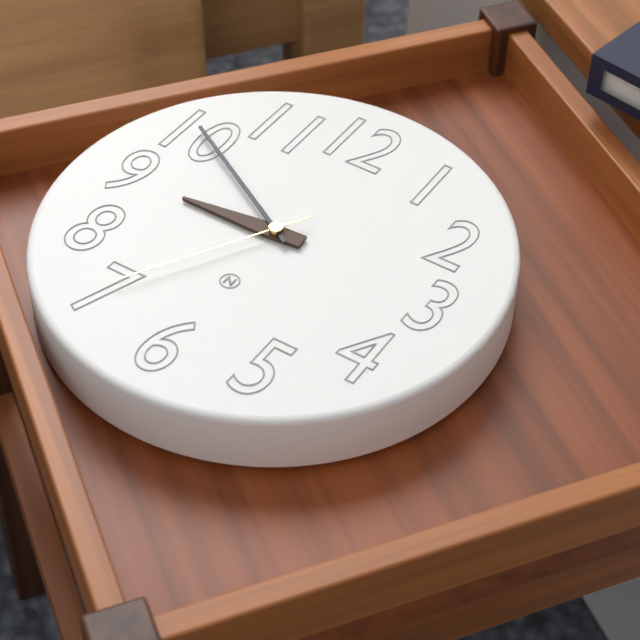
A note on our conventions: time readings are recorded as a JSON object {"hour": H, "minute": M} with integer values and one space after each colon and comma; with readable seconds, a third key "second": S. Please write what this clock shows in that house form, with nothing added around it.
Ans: {"hour": 8, "minute": 50, "second": 35}
